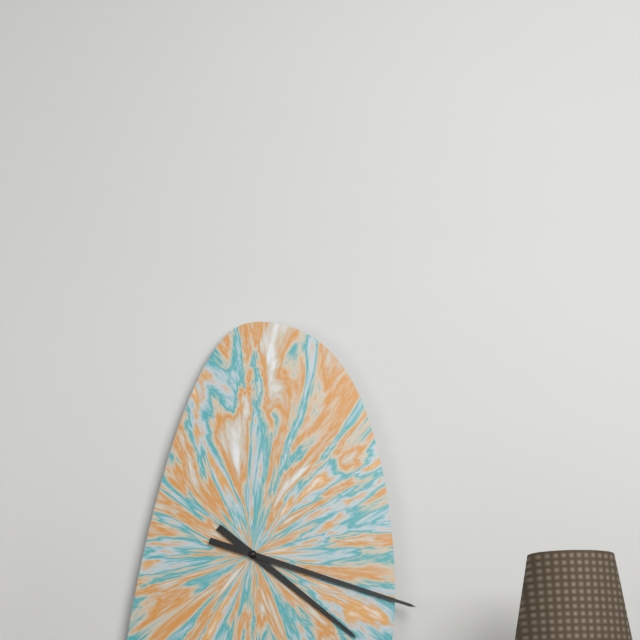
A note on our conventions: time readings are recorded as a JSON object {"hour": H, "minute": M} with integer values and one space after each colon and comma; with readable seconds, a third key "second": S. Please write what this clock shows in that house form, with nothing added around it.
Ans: {"hour": 4, "minute": 18}
